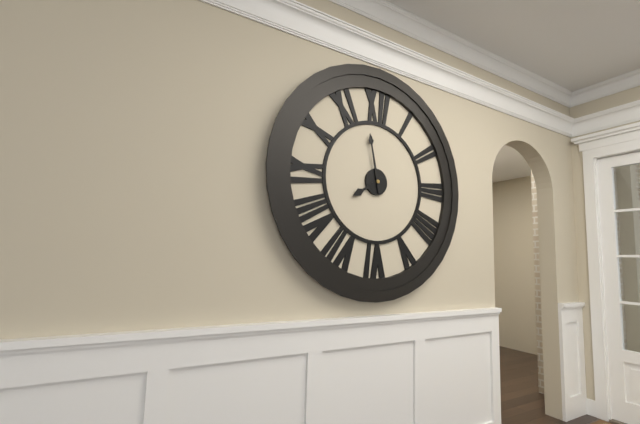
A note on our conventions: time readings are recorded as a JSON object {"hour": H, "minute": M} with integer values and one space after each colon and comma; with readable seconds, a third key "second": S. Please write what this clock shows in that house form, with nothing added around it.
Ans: {"hour": 7, "minute": 58}
